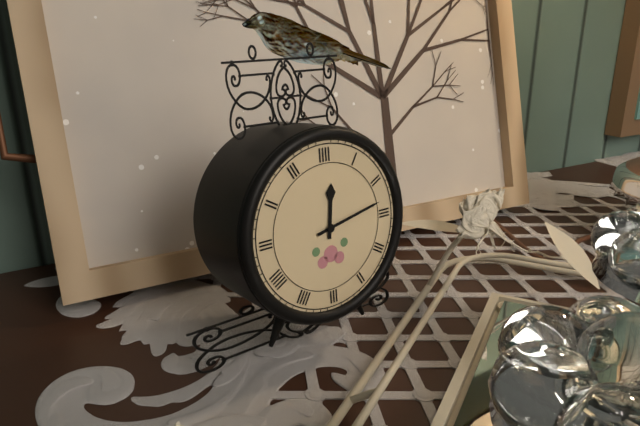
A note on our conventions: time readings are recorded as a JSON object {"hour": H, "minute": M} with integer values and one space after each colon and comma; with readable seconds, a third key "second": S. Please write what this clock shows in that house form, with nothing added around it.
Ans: {"hour": 12, "minute": 13}
